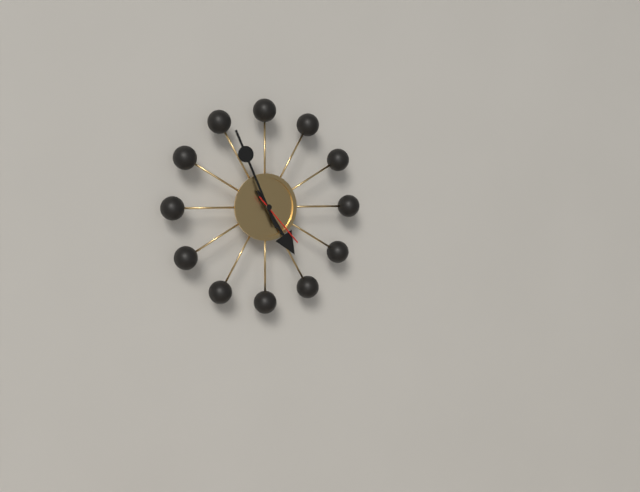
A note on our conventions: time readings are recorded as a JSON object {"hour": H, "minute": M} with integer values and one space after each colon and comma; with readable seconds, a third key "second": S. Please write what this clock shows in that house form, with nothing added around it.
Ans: {"hour": 4, "minute": 56, "second": 23}
